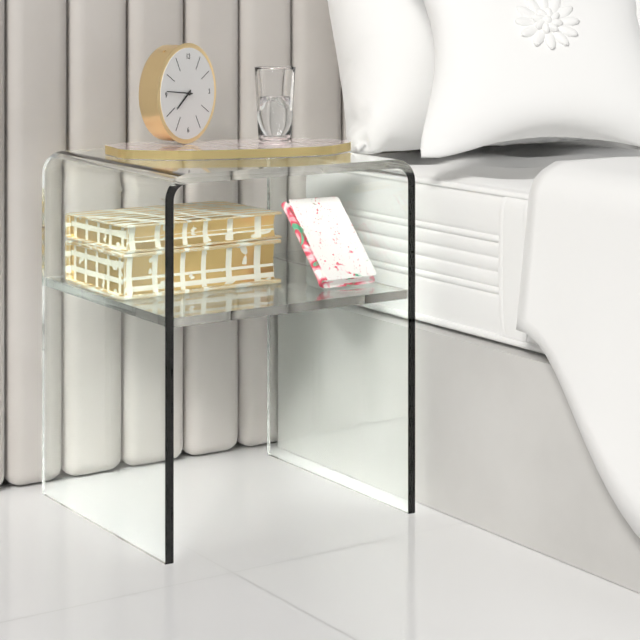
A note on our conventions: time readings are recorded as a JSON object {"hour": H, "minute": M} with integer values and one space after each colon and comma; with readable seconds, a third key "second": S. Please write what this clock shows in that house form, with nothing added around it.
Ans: {"hour": 7, "minute": 46}
